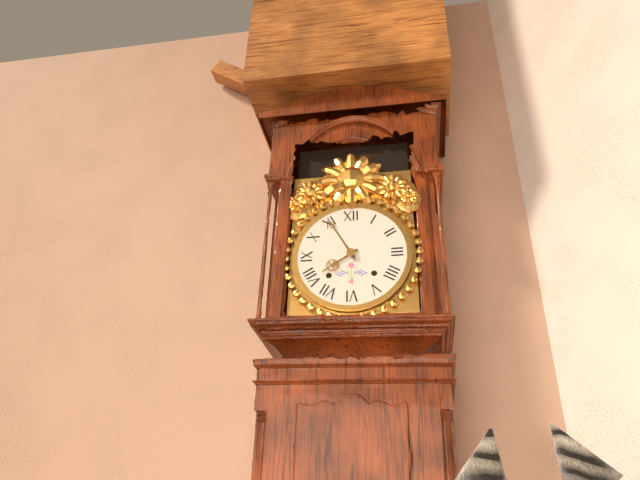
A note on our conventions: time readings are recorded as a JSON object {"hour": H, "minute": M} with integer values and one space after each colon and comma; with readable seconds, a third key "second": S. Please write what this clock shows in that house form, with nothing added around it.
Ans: {"hour": 7, "minute": 55}
